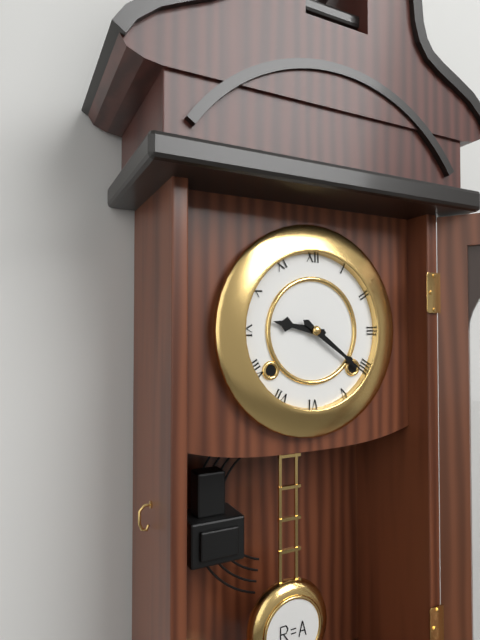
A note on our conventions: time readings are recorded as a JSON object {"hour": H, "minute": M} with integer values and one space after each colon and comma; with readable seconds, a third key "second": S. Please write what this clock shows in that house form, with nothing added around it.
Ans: {"hour": 9, "minute": 21}
